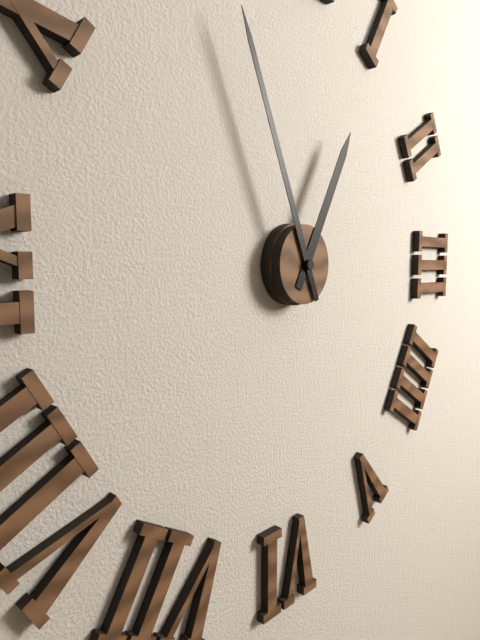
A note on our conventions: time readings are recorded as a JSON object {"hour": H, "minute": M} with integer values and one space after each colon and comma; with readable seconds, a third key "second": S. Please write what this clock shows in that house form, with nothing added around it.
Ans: {"hour": 12, "minute": 56}
